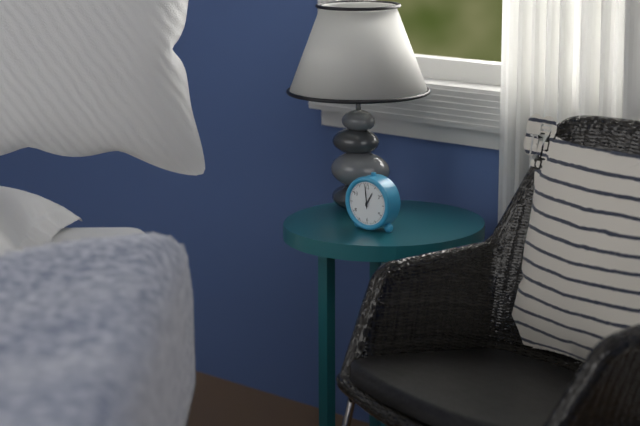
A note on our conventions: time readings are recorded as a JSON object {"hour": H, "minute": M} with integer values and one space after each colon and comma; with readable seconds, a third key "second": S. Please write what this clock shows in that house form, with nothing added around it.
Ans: {"hour": 12, "minute": 59}
